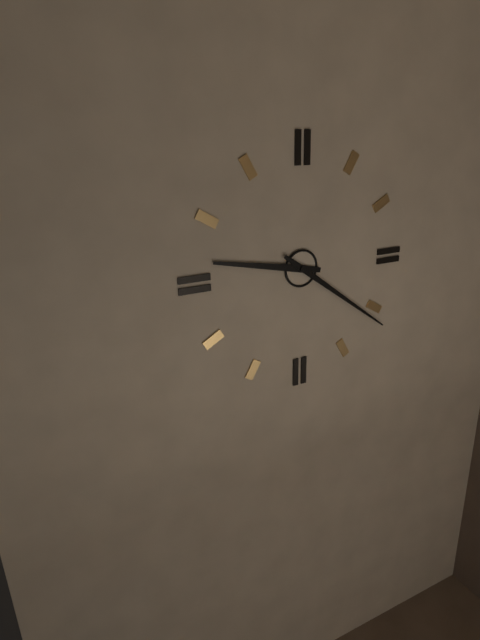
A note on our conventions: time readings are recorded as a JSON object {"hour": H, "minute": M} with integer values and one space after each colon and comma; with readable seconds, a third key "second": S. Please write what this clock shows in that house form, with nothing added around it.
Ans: {"hour": 9, "minute": 21}
